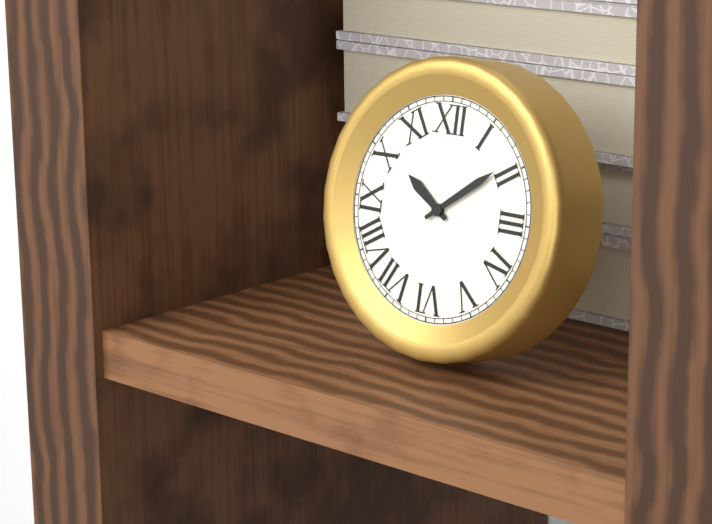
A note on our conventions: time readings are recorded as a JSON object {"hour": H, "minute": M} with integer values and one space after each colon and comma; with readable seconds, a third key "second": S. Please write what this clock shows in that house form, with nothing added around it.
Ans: {"hour": 10, "minute": 9}
